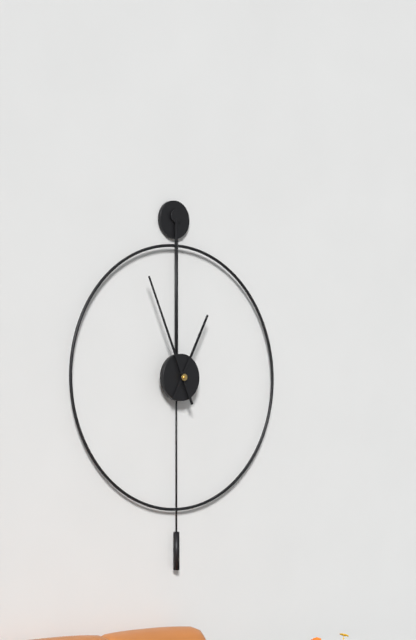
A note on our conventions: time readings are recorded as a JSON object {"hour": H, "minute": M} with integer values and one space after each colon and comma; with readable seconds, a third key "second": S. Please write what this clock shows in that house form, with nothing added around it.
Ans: {"hour": 12, "minute": 56}
